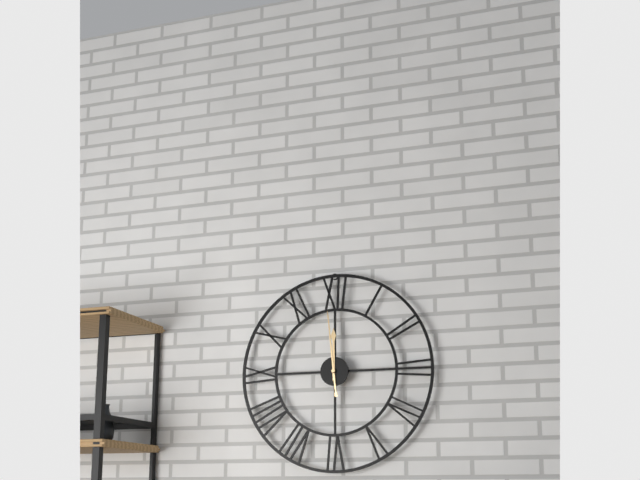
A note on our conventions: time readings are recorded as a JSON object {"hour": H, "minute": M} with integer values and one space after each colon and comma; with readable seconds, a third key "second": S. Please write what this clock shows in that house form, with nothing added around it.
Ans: {"hour": 11, "minute": 59}
